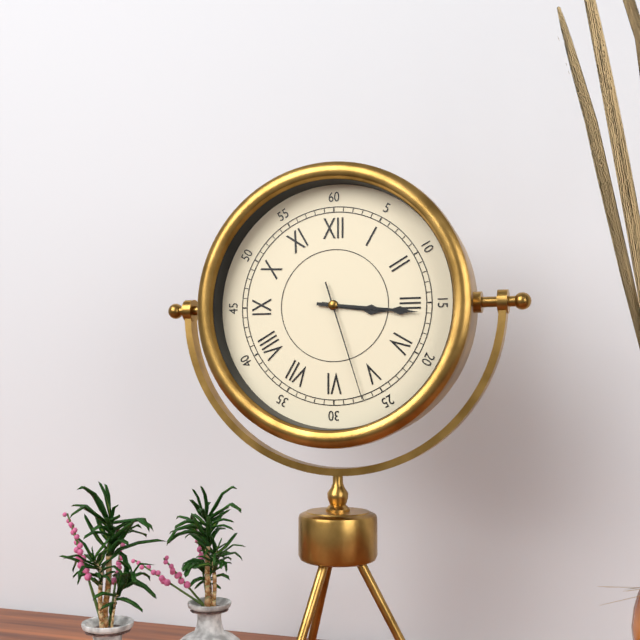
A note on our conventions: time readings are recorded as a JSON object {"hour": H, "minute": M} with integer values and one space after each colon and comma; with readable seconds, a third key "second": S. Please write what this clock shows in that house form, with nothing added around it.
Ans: {"hour": 3, "minute": 16, "second": 27}
